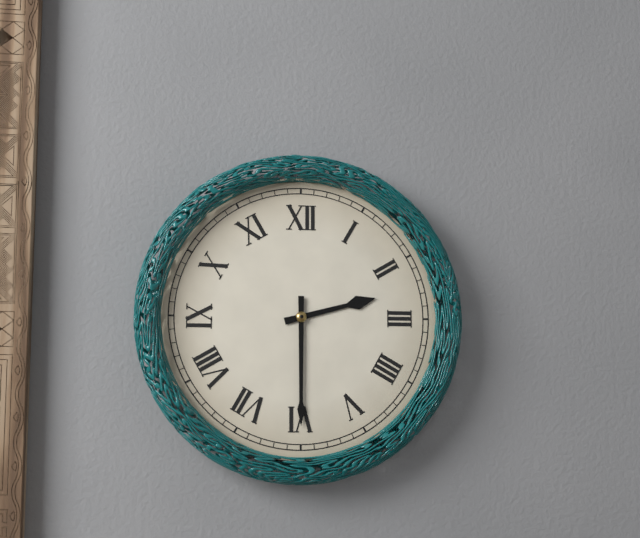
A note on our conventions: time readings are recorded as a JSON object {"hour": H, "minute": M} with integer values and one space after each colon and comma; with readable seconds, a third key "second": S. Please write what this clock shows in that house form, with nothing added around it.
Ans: {"hour": 2, "minute": 30}
